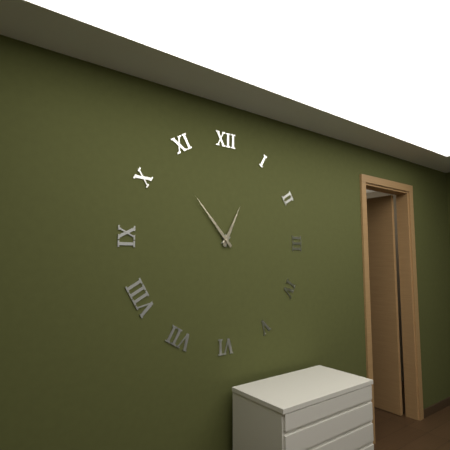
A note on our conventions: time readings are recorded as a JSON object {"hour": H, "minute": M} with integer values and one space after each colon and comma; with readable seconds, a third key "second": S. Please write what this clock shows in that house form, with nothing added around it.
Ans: {"hour": 12, "minute": 53}
